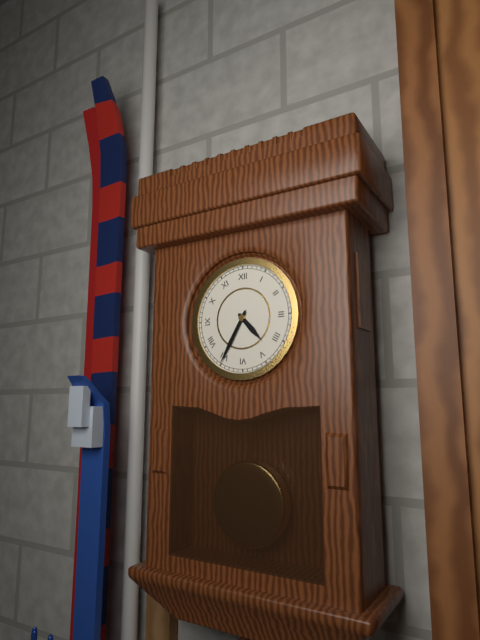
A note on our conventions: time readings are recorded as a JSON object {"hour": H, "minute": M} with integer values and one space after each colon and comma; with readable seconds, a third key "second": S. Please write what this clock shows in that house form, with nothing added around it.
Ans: {"hour": 4, "minute": 35}
